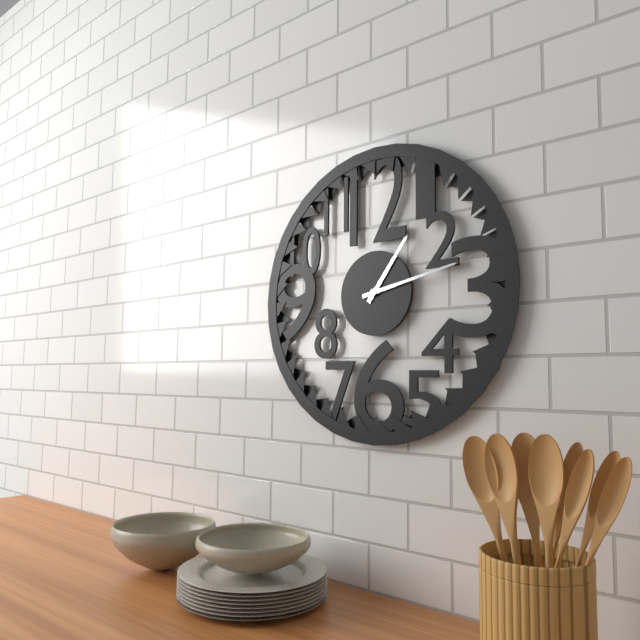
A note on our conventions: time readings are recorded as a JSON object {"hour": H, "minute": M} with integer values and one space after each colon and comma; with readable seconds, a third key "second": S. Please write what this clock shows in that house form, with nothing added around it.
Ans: {"hour": 1, "minute": 13}
